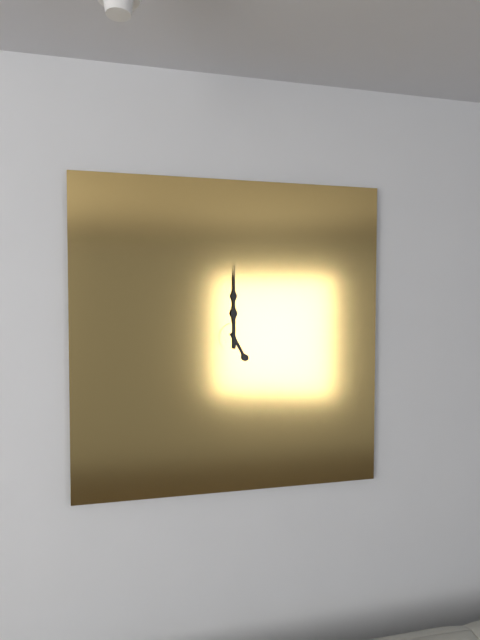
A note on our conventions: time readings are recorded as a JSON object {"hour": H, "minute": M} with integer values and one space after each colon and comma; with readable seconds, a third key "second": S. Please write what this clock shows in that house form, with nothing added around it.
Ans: {"hour": 5, "minute": 0}
